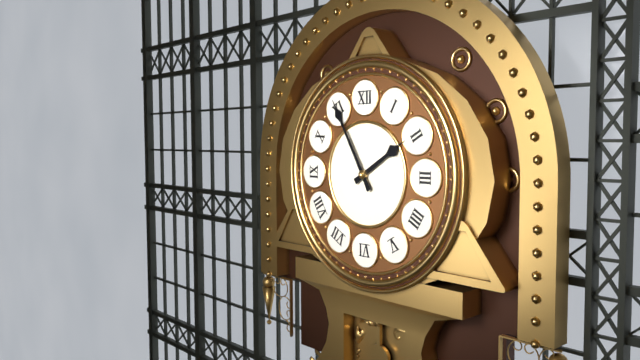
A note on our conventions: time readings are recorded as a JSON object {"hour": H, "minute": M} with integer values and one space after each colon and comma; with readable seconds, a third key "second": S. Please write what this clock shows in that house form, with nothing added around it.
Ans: {"hour": 1, "minute": 55}
